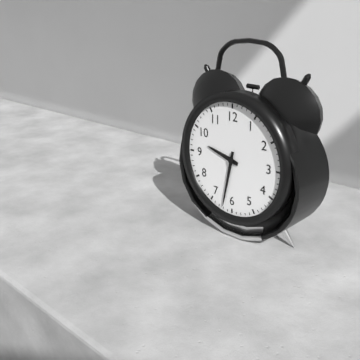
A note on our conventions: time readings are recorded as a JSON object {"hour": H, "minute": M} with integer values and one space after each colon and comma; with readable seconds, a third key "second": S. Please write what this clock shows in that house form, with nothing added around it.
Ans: {"hour": 9, "minute": 32}
